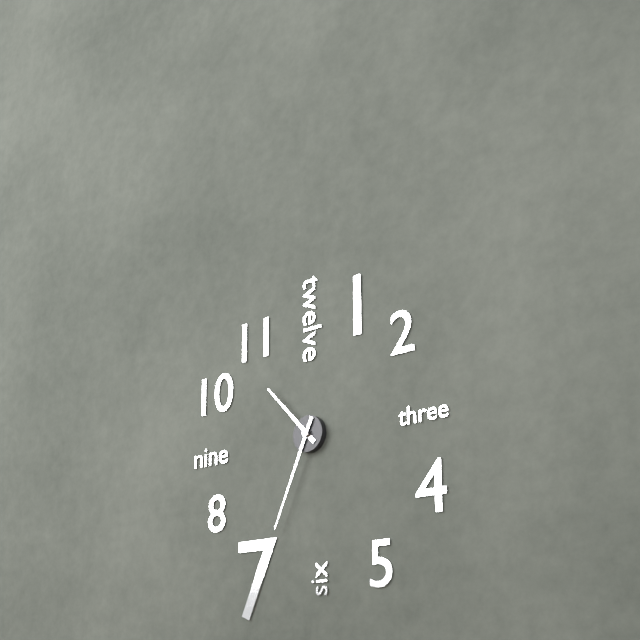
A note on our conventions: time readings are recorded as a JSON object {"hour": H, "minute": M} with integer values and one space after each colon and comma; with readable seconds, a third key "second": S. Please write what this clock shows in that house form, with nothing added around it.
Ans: {"hour": 10, "minute": 34}
